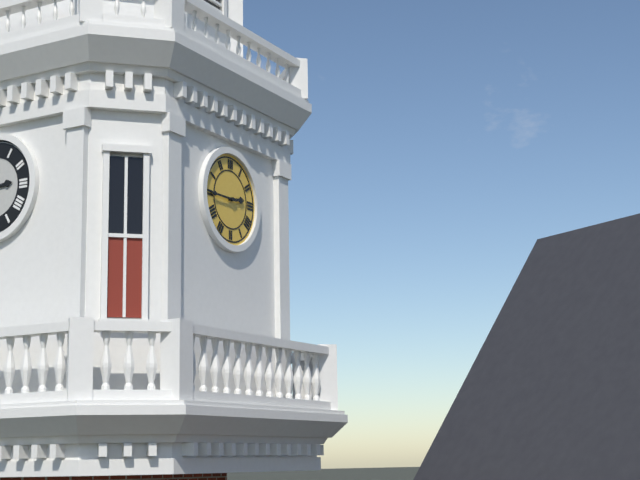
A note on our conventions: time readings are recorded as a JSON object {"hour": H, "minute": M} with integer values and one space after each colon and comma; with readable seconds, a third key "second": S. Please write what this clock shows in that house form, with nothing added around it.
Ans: {"hour": 2, "minute": 45}
